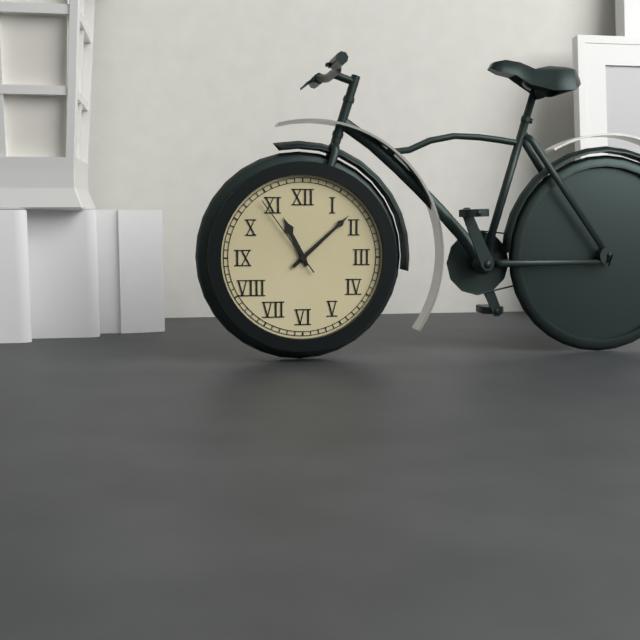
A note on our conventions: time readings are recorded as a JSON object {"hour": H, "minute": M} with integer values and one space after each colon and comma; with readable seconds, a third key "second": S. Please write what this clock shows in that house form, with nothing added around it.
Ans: {"hour": 11, "minute": 8, "second": 54}
